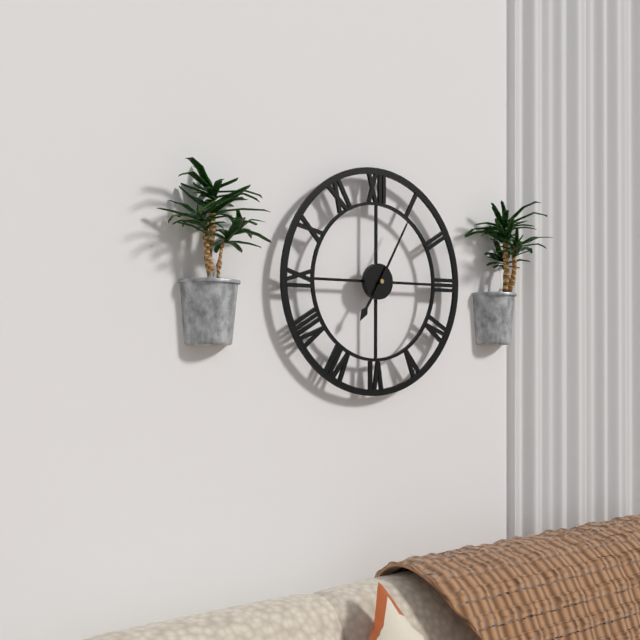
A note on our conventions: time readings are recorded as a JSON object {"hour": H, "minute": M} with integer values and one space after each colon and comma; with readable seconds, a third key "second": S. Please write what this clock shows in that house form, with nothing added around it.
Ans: {"hour": 7, "minute": 5}
